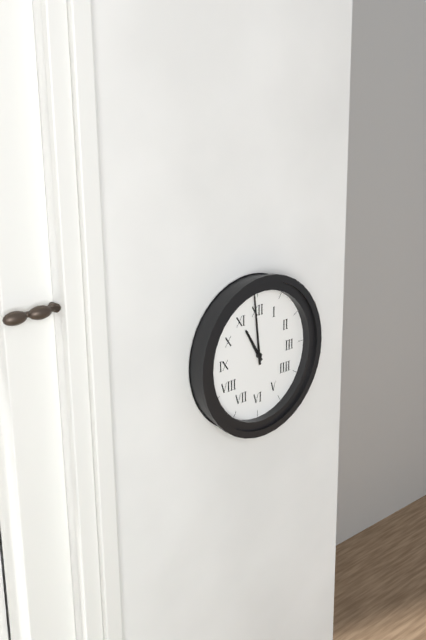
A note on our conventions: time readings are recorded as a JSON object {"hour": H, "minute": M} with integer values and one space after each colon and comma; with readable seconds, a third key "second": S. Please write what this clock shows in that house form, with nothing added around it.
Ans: {"hour": 10, "minute": 59}
